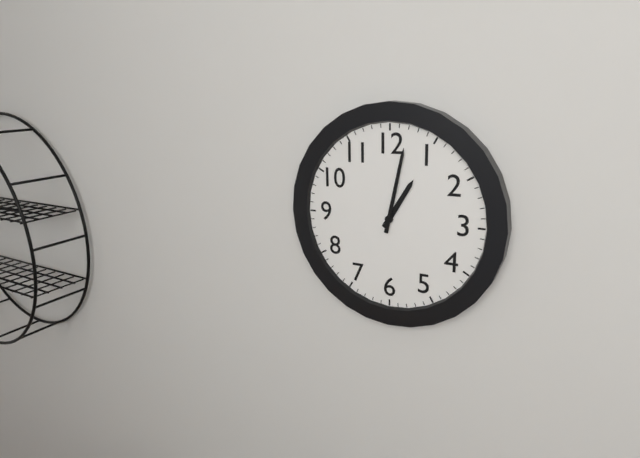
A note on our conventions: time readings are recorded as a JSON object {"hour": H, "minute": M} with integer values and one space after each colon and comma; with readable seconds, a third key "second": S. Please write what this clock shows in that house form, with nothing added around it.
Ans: {"hour": 1, "minute": 2}
